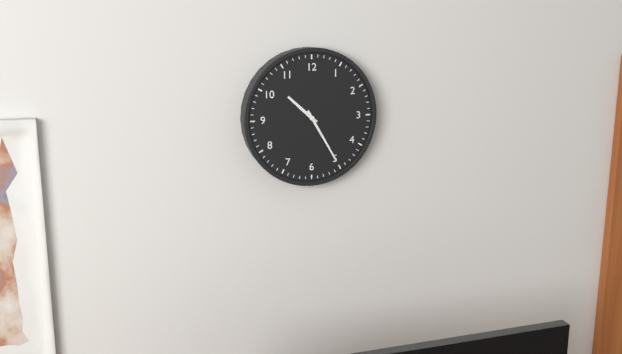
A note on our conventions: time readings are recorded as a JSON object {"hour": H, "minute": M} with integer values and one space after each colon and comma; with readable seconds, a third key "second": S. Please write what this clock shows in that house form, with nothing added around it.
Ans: {"hour": 10, "minute": 25}
